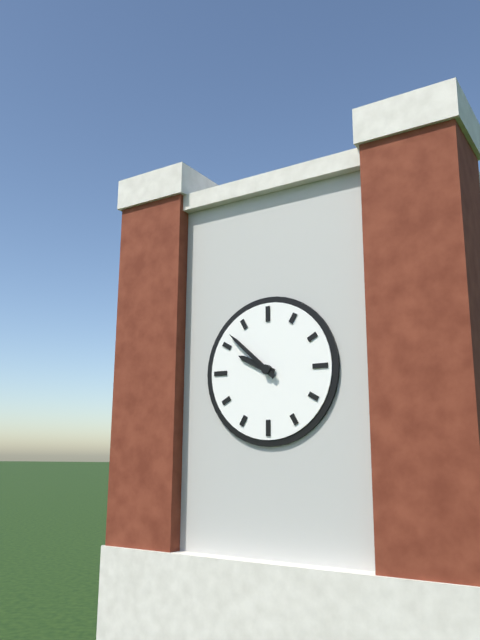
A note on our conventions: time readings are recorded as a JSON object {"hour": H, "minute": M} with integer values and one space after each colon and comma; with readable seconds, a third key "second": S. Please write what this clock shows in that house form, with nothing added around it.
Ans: {"hour": 9, "minute": 52}
